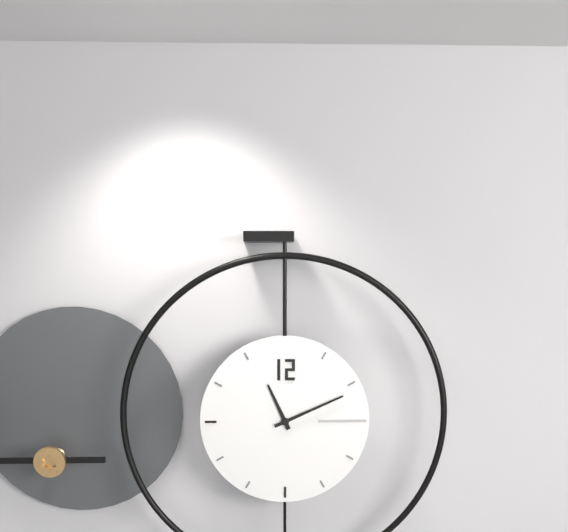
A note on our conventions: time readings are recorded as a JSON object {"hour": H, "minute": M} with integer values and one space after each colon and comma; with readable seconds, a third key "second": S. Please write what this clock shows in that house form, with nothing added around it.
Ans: {"hour": 11, "minute": 11}
